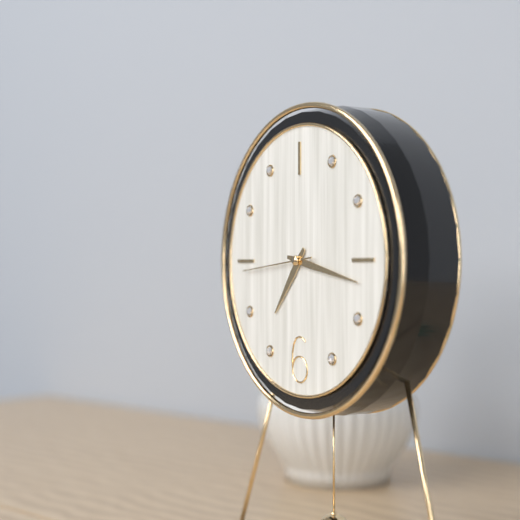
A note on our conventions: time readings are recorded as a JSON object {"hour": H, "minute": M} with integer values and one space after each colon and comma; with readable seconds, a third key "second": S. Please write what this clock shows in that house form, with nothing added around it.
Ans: {"hour": 7, "minute": 17, "second": 44}
